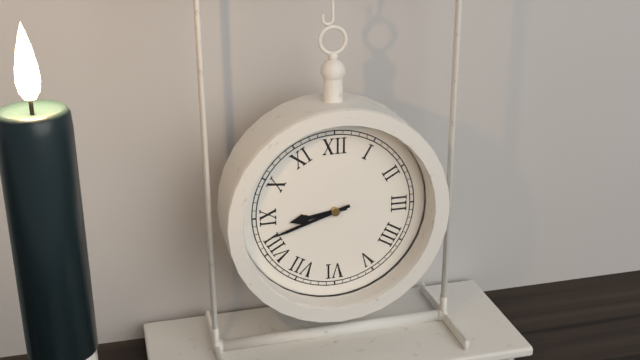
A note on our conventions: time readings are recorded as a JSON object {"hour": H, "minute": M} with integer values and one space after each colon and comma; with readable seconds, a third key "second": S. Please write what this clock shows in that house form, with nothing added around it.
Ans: {"hour": 8, "minute": 42}
